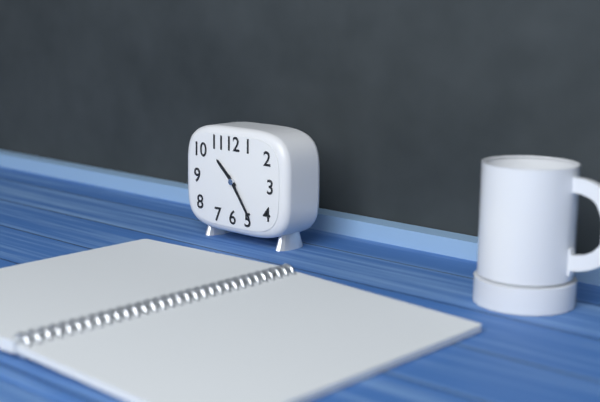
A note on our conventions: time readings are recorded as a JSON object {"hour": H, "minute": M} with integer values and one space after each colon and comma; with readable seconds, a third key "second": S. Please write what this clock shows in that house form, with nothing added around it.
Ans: {"hour": 10, "minute": 24}
